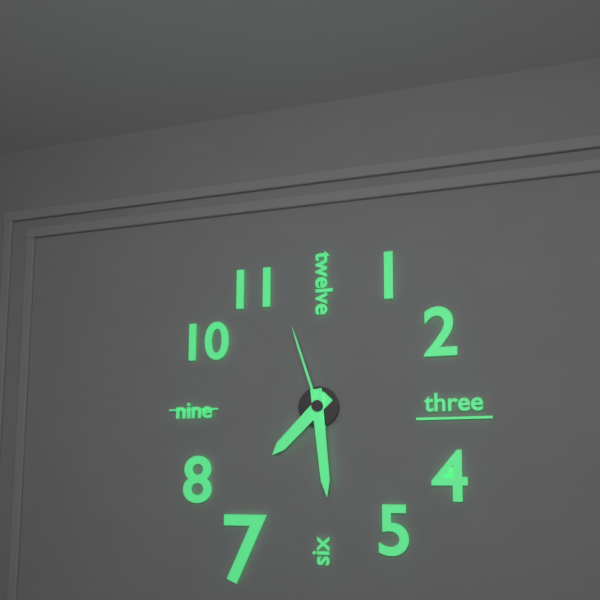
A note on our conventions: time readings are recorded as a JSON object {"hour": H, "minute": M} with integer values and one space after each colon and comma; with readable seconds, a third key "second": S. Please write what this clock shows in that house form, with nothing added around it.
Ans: {"hour": 7, "minute": 29, "second": 57}
